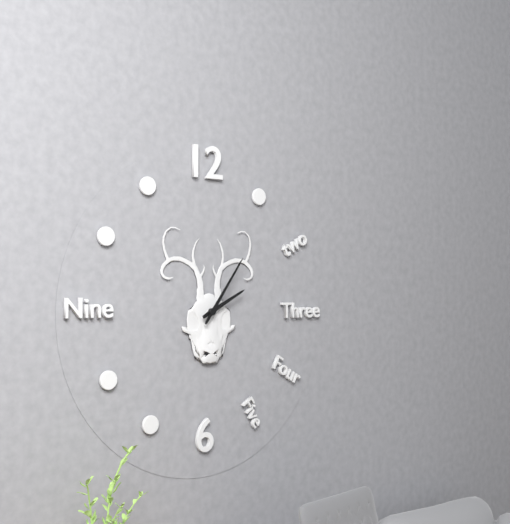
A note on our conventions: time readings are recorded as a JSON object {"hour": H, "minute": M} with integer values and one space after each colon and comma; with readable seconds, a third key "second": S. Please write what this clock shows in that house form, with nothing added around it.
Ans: {"hour": 2, "minute": 6}
